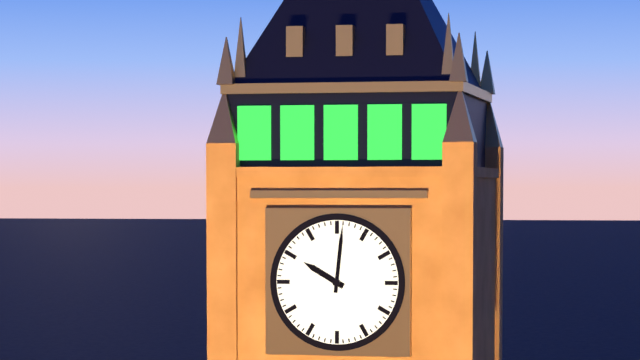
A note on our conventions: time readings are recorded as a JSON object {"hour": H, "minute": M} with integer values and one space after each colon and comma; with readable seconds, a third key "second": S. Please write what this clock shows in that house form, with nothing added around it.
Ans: {"hour": 10, "minute": 1}
